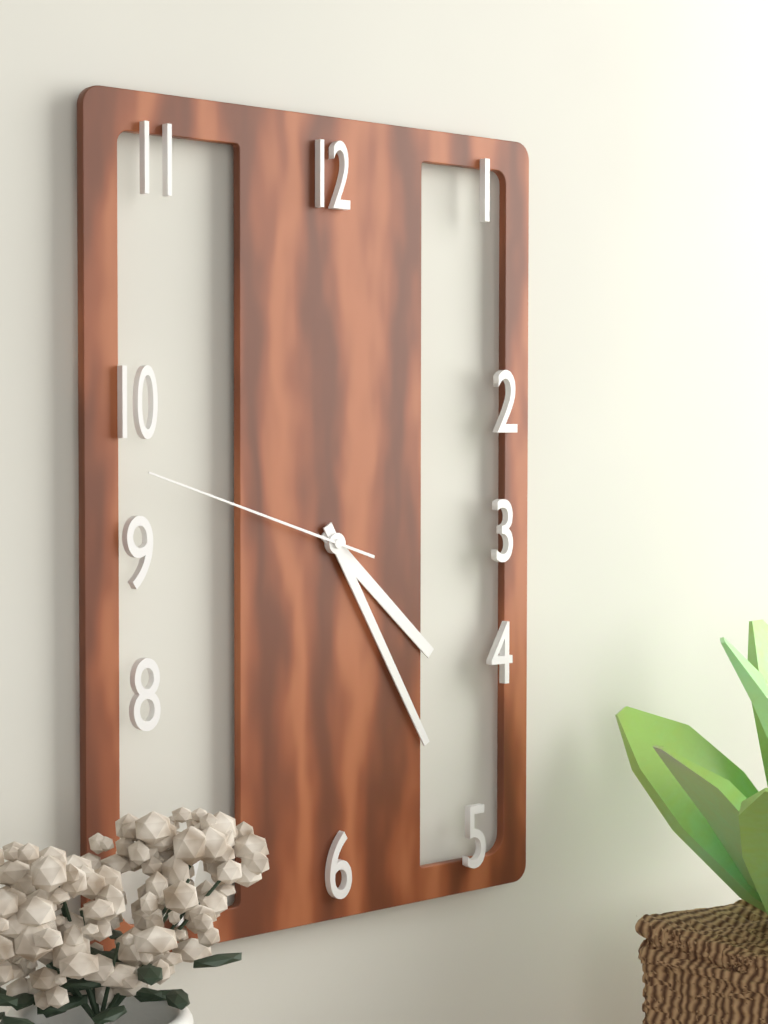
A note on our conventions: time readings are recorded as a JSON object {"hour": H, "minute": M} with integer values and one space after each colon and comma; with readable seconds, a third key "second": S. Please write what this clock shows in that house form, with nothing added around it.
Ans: {"hour": 4, "minute": 25, "second": 48}
